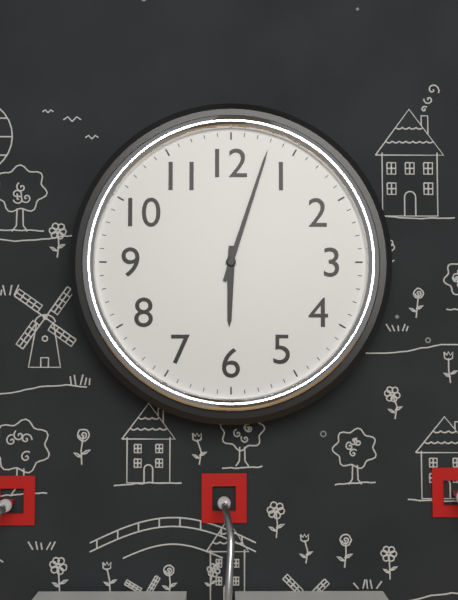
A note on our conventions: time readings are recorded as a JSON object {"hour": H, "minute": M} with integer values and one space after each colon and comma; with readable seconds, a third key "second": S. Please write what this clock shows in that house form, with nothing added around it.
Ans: {"hour": 6, "minute": 3}
